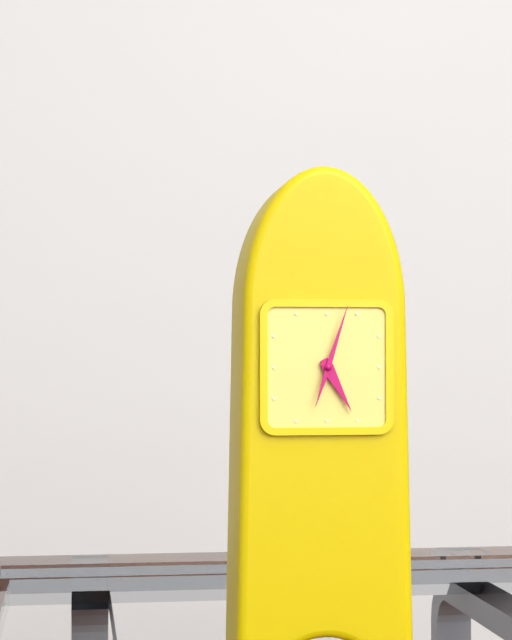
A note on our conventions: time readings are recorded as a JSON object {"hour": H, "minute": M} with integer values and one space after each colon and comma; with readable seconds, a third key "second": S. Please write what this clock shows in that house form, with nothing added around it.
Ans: {"hour": 5, "minute": 3}
